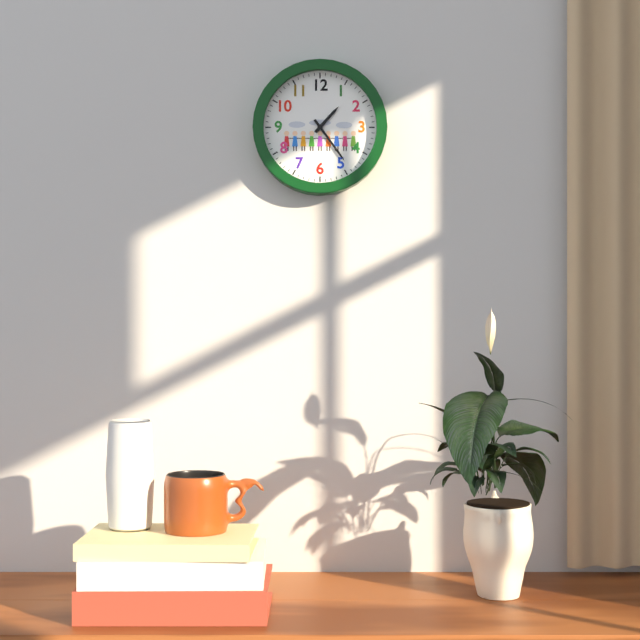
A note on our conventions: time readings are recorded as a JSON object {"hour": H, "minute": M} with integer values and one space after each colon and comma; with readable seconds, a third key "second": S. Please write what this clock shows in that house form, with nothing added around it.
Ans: {"hour": 1, "minute": 24}
